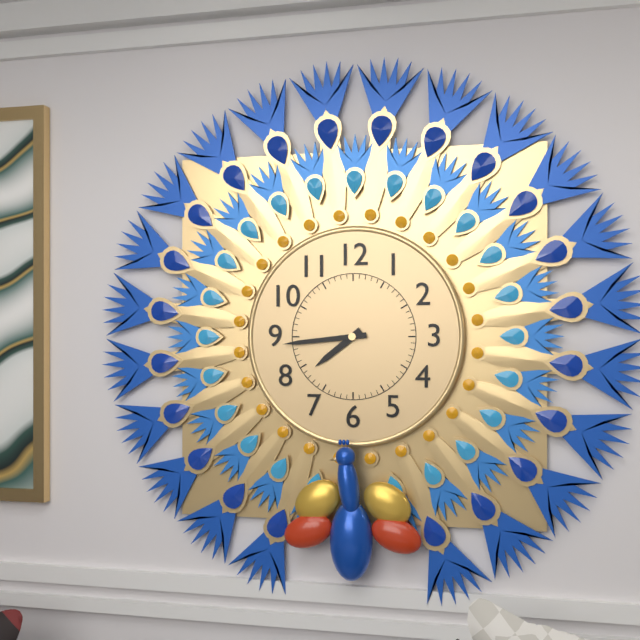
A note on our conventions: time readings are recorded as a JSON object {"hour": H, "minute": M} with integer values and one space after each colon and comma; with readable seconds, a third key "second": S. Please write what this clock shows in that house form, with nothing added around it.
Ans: {"hour": 7, "minute": 44}
